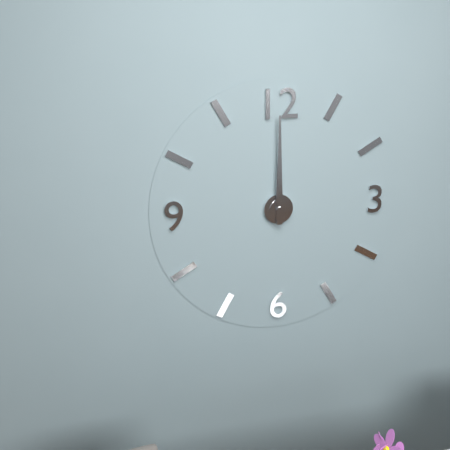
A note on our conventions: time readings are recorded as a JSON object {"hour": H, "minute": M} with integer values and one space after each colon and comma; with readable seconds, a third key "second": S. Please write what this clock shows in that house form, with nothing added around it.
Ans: {"hour": 12, "minute": 0}
